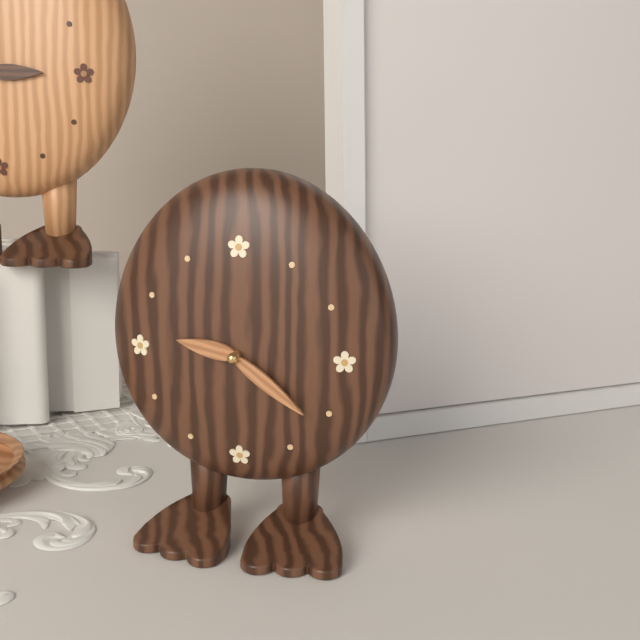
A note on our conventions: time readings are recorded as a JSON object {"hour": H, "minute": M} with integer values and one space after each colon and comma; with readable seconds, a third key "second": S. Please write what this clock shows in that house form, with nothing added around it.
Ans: {"hour": 9, "minute": 21}
